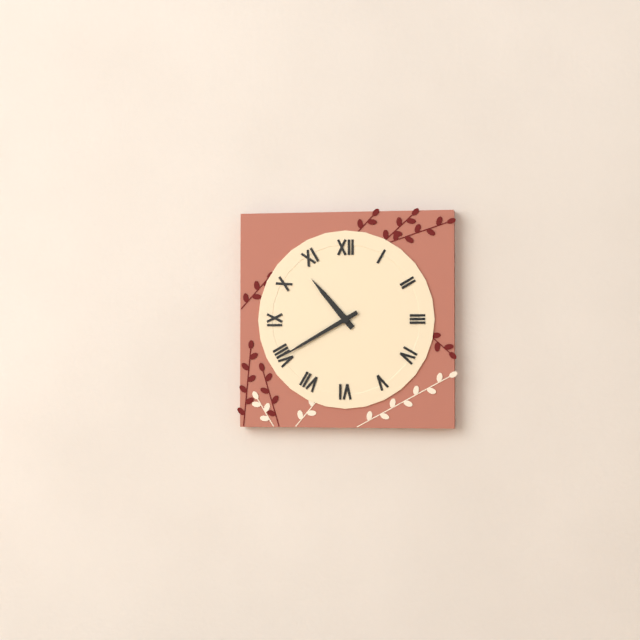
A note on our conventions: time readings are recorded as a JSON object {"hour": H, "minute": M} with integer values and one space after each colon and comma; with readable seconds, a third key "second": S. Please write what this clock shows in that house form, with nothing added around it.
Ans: {"hour": 10, "minute": 40}
